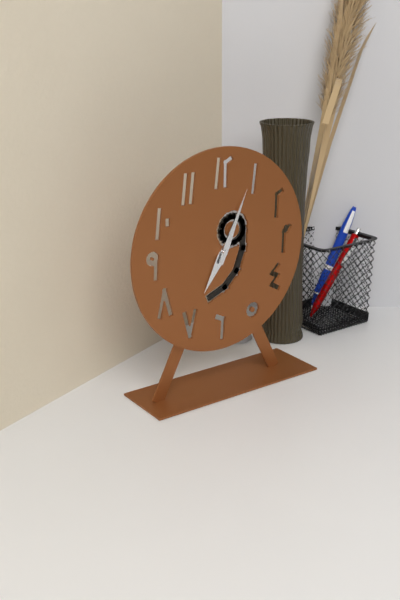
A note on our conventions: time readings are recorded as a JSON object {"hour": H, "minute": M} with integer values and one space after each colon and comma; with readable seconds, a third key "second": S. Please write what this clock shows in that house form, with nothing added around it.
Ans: {"hour": 7, "minute": 4}
